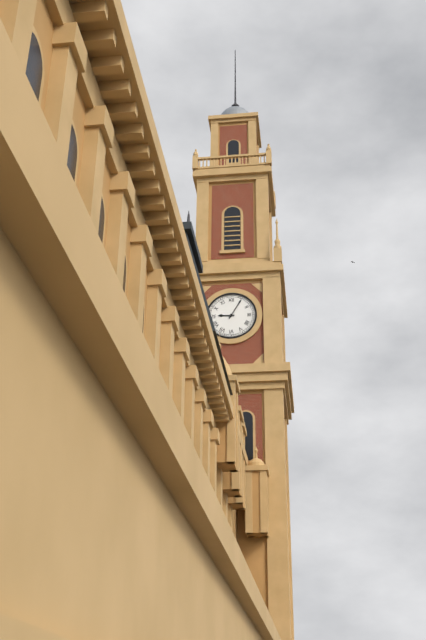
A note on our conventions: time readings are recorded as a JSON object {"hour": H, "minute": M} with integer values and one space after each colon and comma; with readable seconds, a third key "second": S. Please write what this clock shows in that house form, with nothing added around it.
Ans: {"hour": 9, "minute": 5}
